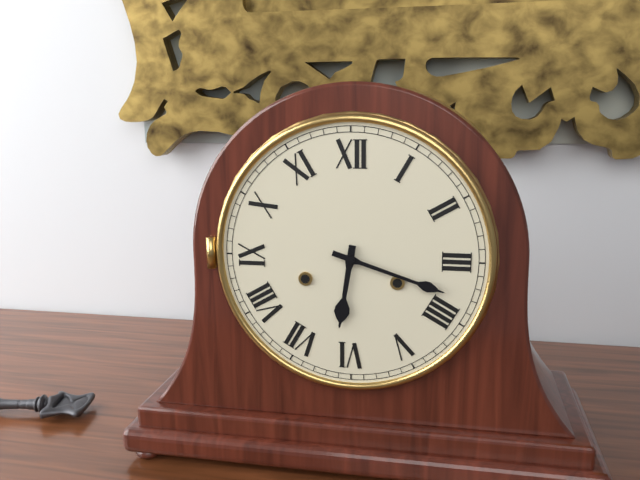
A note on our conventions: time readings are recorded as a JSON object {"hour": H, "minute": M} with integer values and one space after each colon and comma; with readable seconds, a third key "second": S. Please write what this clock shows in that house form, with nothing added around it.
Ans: {"hour": 6, "minute": 18}
